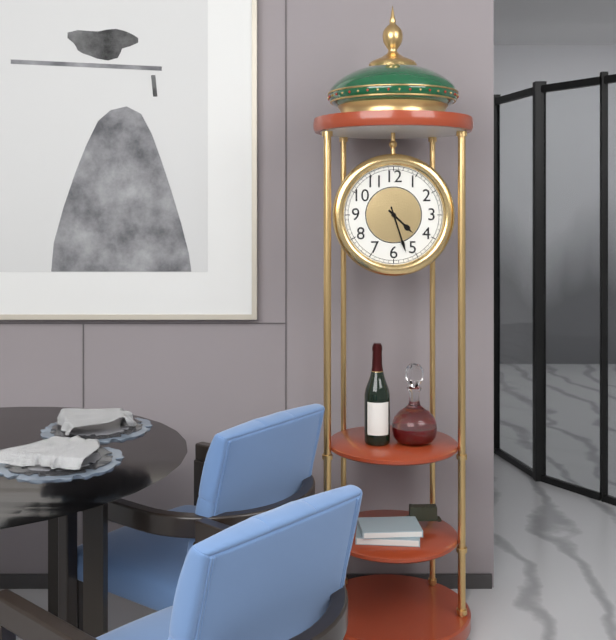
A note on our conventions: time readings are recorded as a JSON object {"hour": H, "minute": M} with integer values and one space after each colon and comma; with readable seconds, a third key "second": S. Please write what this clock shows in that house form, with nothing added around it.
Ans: {"hour": 4, "minute": 27}
